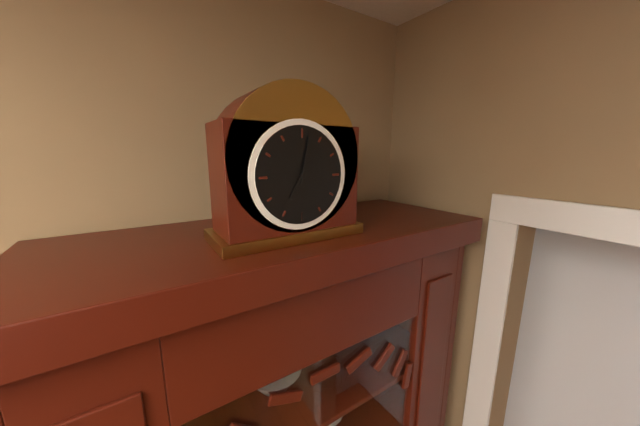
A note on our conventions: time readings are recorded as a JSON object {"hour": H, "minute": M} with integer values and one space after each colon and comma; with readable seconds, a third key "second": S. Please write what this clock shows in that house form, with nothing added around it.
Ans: {"hour": 7, "minute": 2}
